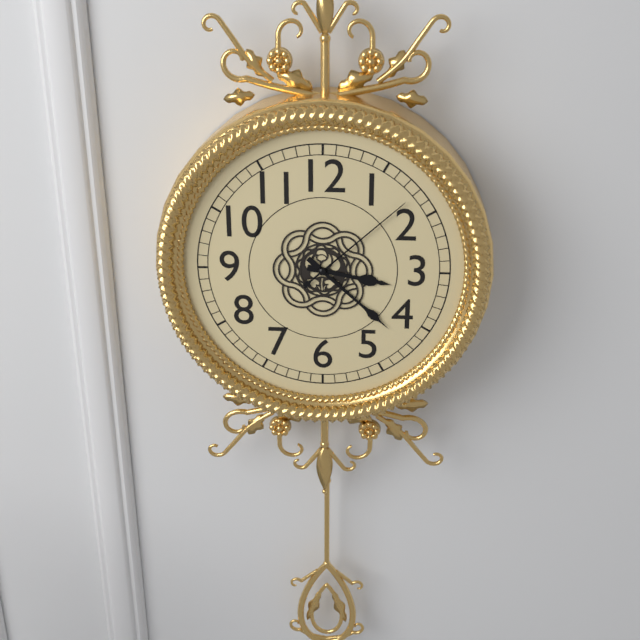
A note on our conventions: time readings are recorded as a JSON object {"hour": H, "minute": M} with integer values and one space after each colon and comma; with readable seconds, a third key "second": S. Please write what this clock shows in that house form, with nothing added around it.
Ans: {"hour": 3, "minute": 22, "second": 8}
